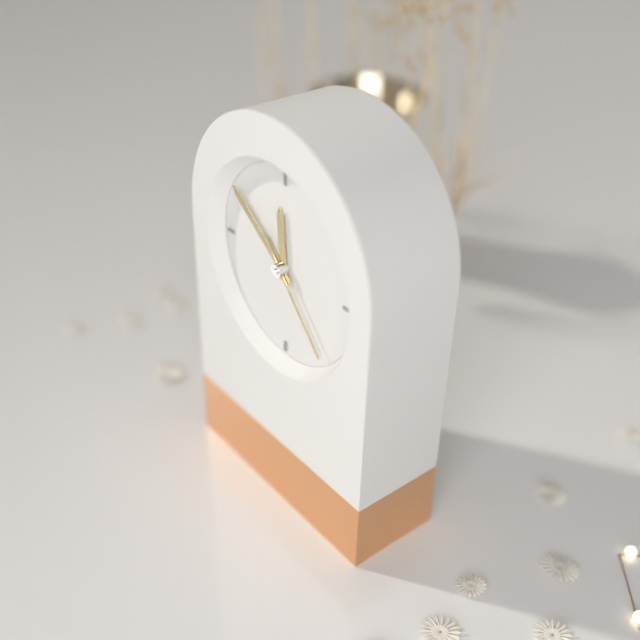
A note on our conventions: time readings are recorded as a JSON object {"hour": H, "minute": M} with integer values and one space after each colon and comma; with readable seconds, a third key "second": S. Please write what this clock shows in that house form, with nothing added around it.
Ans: {"hour": 11, "minute": 51, "second": 23}
